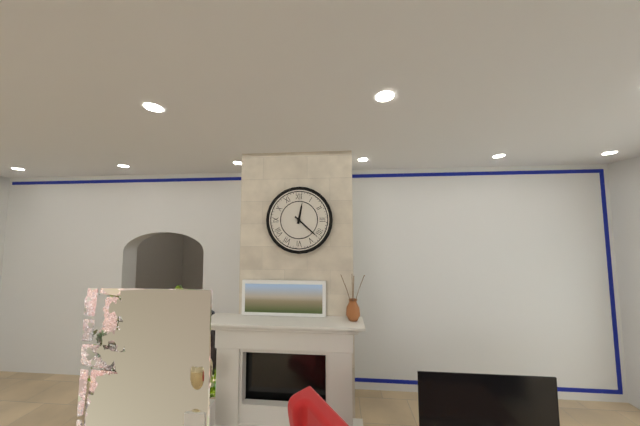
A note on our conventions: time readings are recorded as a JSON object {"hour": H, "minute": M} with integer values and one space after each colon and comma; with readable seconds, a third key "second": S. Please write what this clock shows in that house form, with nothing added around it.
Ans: {"hour": 12, "minute": 22}
